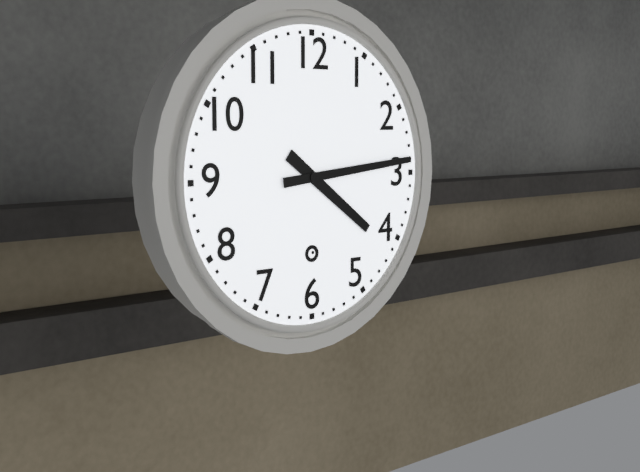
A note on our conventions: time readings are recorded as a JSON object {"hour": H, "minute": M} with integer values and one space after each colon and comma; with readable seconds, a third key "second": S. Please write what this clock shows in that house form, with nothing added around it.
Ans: {"hour": 4, "minute": 14}
